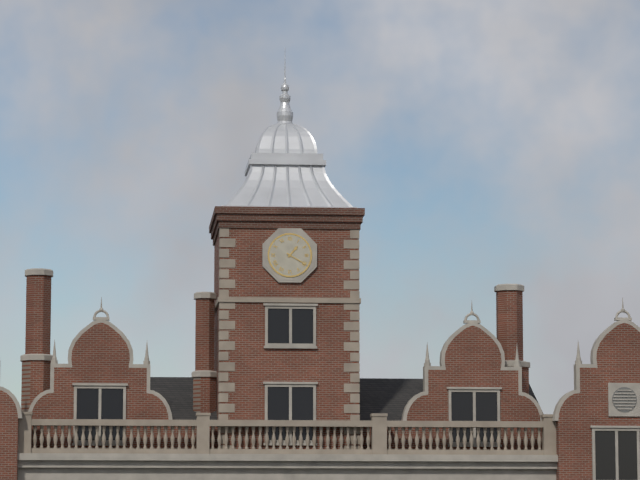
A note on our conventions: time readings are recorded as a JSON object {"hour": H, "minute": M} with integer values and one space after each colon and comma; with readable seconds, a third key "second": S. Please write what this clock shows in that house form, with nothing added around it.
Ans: {"hour": 1, "minute": 20}
